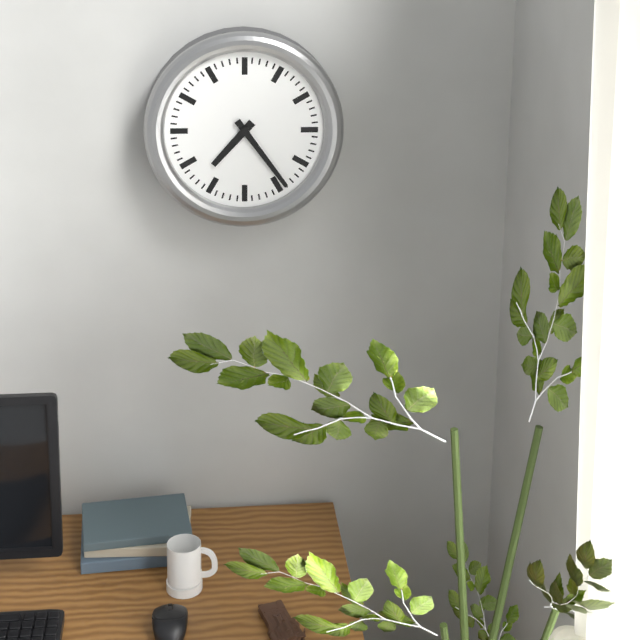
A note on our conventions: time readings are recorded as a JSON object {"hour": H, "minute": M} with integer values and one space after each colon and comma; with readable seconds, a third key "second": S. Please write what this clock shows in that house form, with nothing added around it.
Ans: {"hour": 7, "minute": 24}
